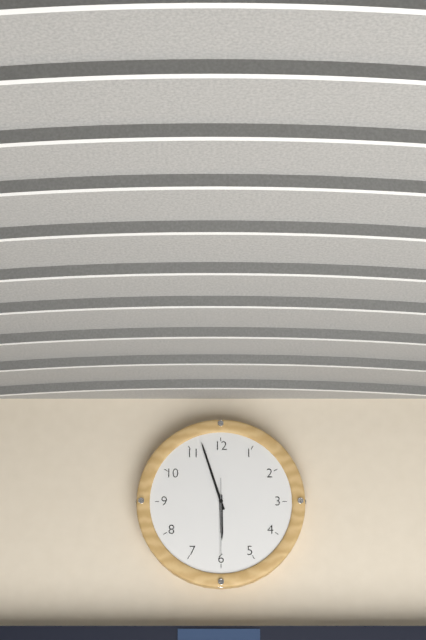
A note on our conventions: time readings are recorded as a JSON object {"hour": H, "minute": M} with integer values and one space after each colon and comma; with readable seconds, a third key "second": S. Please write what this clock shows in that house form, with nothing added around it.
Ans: {"hour": 5, "minute": 57, "second": 30}
